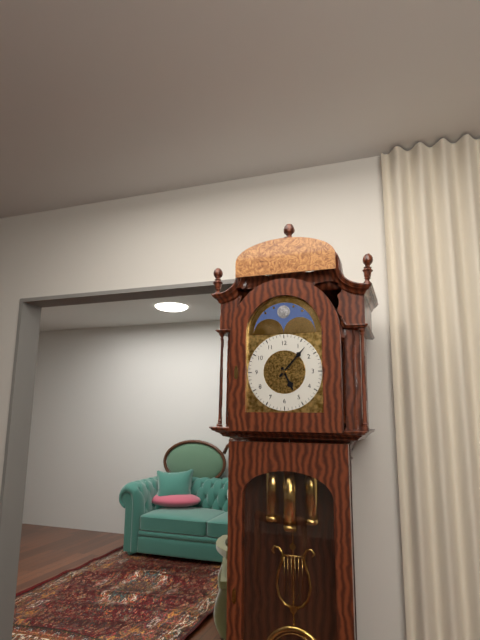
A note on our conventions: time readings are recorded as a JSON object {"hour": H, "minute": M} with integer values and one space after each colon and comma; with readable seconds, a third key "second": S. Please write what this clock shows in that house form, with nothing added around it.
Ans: {"hour": 5, "minute": 7}
